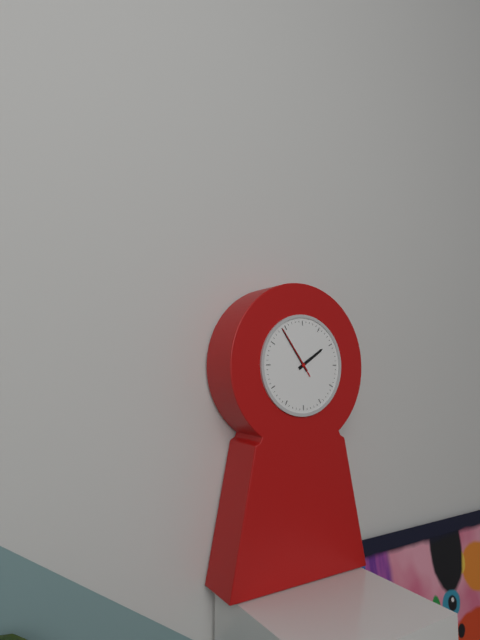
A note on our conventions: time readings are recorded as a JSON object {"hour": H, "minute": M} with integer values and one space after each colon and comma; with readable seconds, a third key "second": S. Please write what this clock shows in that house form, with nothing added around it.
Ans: {"hour": 1, "minute": 54, "second": 54}
